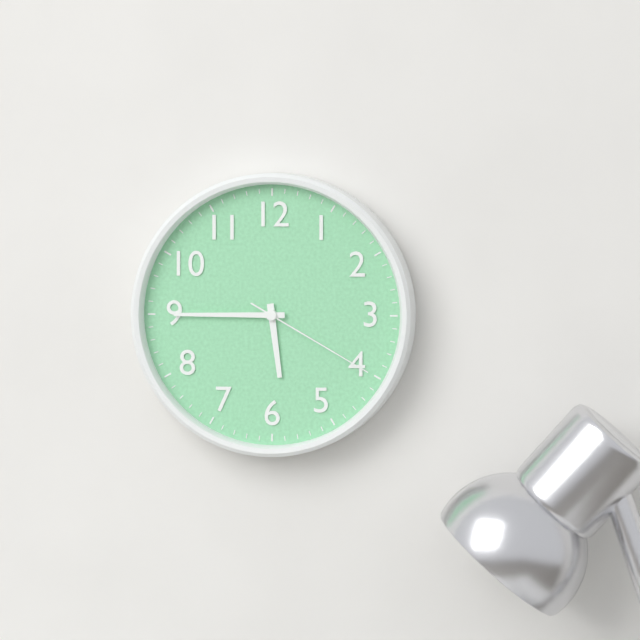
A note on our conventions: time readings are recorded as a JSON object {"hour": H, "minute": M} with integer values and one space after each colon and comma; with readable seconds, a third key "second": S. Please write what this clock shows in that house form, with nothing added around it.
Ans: {"hour": 5, "minute": 45, "second": 20}
